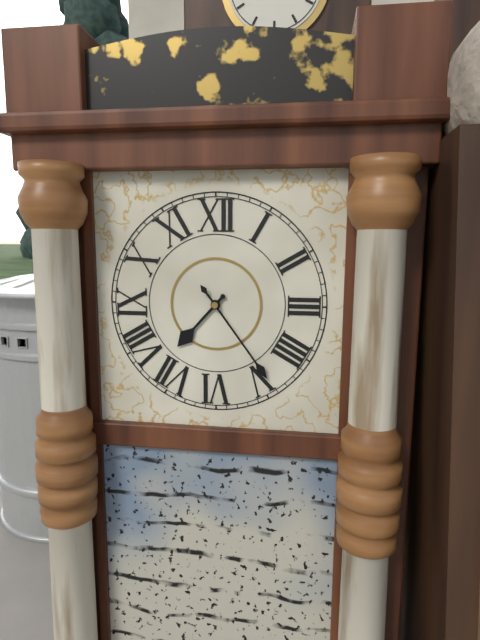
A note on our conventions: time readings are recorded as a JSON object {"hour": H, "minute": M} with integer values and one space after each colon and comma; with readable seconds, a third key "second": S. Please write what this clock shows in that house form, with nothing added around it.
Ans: {"hour": 7, "minute": 24}
